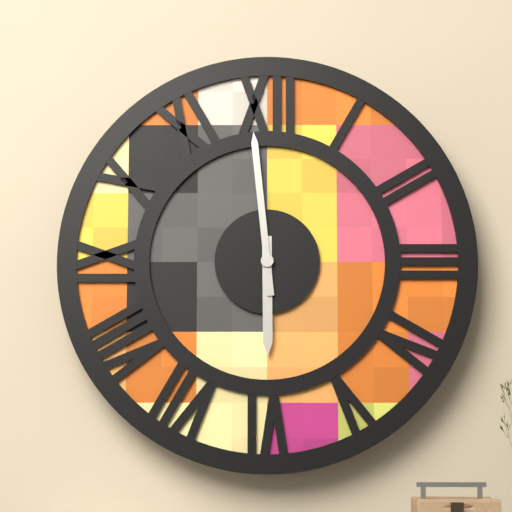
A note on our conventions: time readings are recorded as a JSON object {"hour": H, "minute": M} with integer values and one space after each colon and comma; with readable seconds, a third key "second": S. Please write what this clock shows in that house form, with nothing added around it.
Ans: {"hour": 5, "minute": 59}
